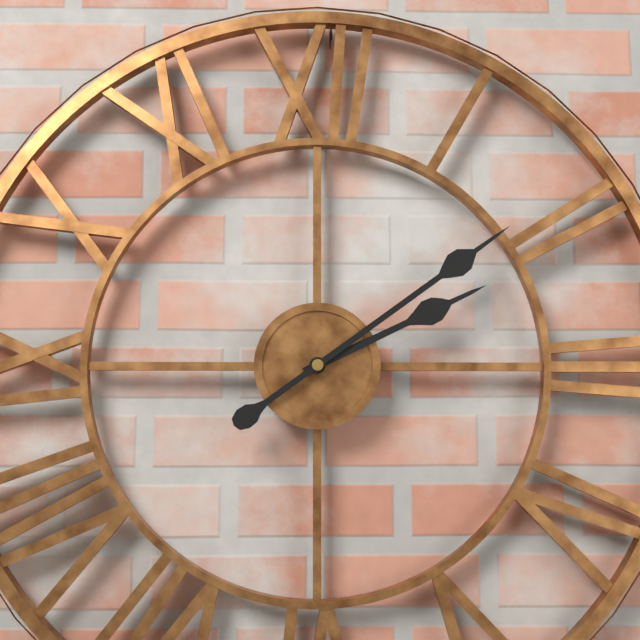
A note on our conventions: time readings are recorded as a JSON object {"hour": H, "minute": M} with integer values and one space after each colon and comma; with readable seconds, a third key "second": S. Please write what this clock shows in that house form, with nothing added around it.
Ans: {"hour": 2, "minute": 9}
